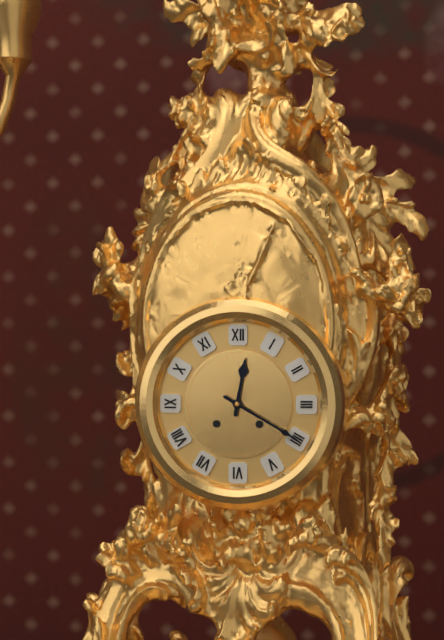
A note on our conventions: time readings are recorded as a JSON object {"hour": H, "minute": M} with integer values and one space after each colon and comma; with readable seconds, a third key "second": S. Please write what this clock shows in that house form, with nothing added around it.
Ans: {"hour": 12, "minute": 20}
